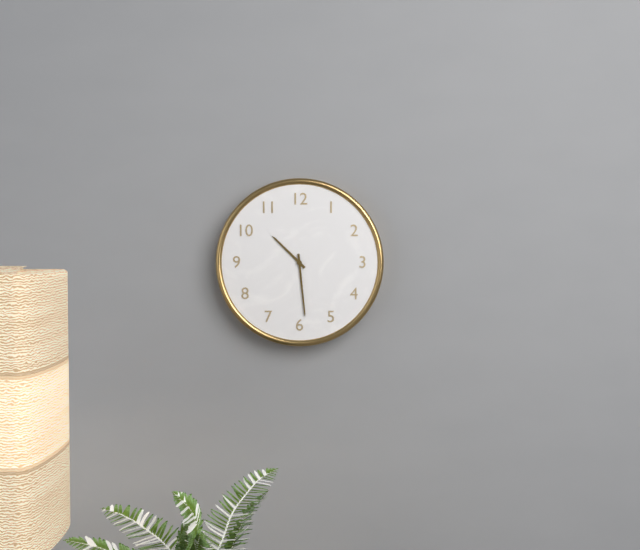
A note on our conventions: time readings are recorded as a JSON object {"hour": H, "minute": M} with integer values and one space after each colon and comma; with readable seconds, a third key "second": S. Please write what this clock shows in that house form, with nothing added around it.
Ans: {"hour": 10, "minute": 29}
